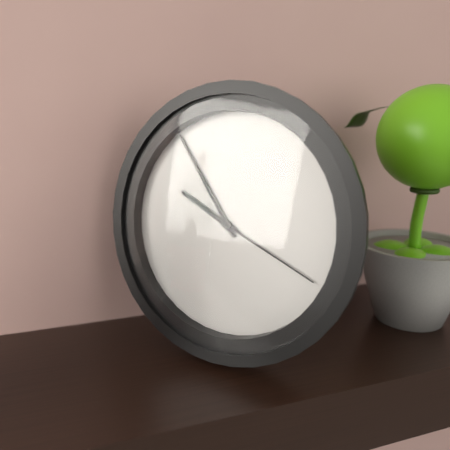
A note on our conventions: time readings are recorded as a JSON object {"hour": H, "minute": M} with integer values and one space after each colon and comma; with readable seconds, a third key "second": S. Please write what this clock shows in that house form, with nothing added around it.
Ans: {"hour": 9, "minute": 54, "second": 19}
